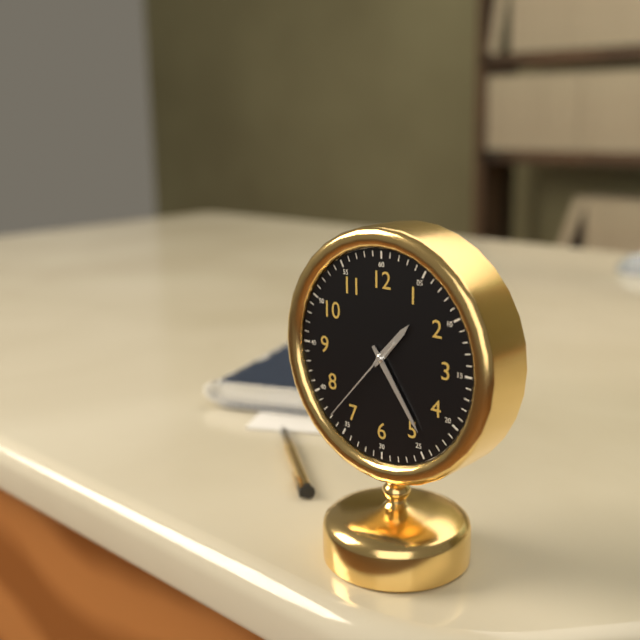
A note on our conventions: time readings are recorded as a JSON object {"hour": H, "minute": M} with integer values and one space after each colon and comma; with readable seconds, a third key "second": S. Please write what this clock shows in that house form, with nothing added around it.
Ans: {"hour": 1, "minute": 24, "second": 37}
